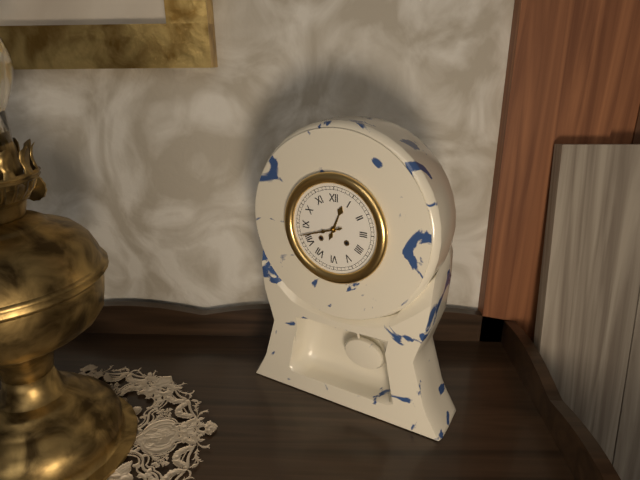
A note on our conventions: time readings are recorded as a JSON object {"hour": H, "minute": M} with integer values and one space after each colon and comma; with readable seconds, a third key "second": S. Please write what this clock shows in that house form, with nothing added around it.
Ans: {"hour": 12, "minute": 42}
